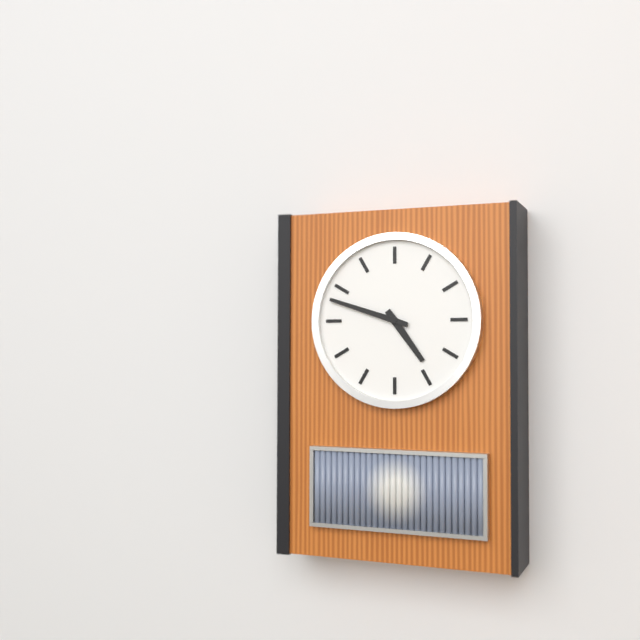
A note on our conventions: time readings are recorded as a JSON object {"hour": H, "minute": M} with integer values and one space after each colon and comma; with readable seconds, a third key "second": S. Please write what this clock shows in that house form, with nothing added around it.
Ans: {"hour": 4, "minute": 48}
